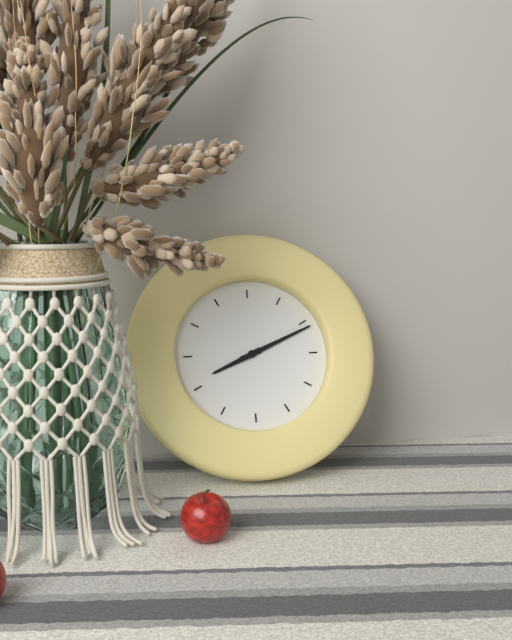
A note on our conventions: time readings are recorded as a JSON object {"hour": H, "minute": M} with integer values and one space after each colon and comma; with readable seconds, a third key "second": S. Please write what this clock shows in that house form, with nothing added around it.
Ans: {"hour": 8, "minute": 11}
